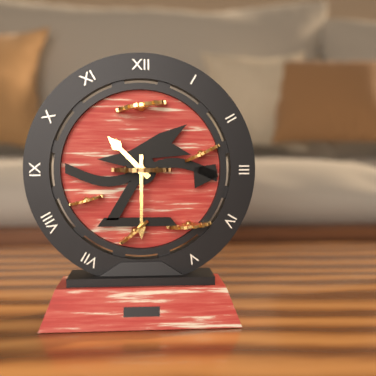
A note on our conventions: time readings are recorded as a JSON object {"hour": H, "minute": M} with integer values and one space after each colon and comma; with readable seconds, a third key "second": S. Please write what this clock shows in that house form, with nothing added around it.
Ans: {"hour": 10, "minute": 30}
